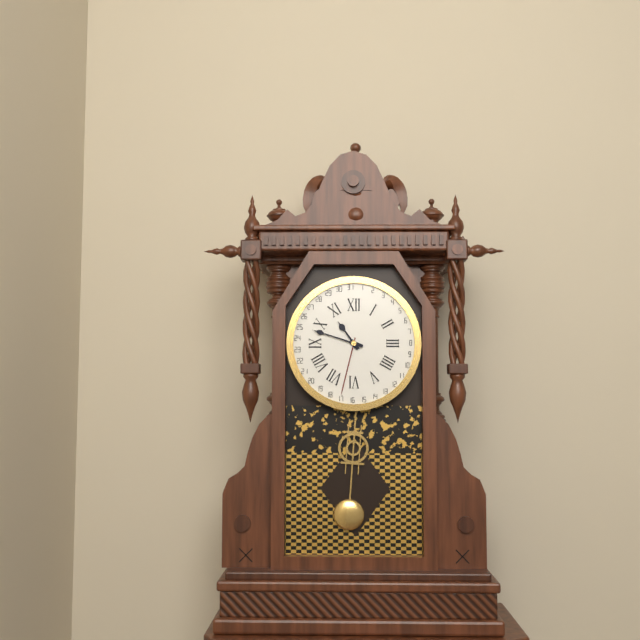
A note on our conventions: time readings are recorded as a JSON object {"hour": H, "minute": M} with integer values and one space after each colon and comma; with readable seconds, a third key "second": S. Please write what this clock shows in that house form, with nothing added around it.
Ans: {"hour": 10, "minute": 48}
